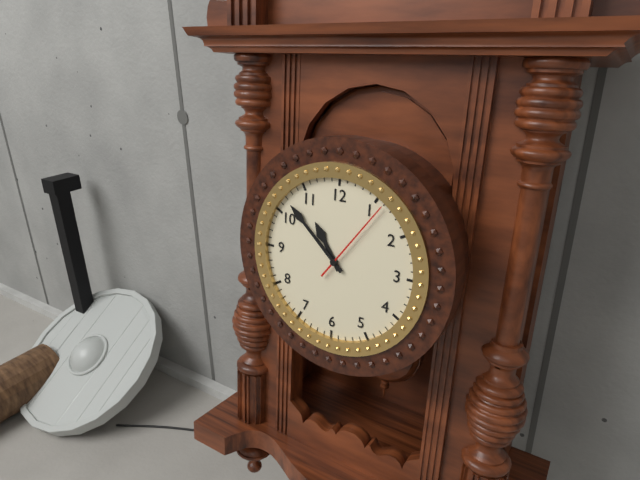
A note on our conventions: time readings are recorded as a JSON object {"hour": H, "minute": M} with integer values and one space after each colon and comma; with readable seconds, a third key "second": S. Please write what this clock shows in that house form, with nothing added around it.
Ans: {"hour": 10, "minute": 52, "second": 6}
